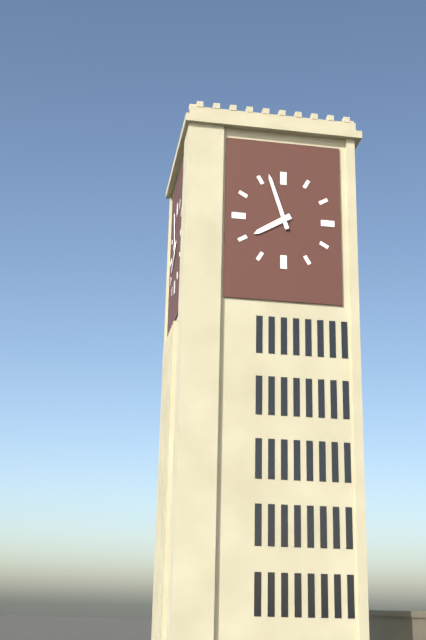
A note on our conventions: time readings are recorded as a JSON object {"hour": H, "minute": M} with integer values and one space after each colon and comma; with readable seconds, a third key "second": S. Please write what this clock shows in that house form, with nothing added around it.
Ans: {"hour": 7, "minute": 57}
